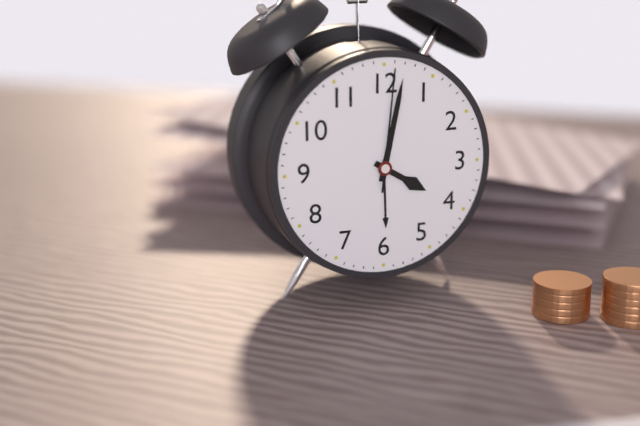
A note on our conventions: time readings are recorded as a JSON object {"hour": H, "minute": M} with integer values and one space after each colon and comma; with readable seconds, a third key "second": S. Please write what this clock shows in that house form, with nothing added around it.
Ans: {"hour": 4, "minute": 2, "second": 1}
